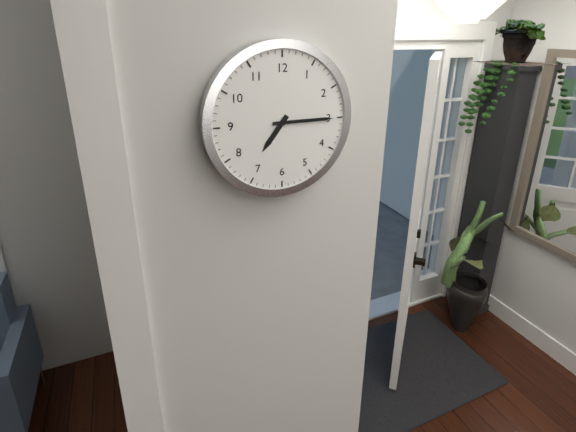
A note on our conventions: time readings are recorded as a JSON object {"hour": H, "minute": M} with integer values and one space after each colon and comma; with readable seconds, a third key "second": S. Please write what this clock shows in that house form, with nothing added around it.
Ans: {"hour": 7, "minute": 15}
